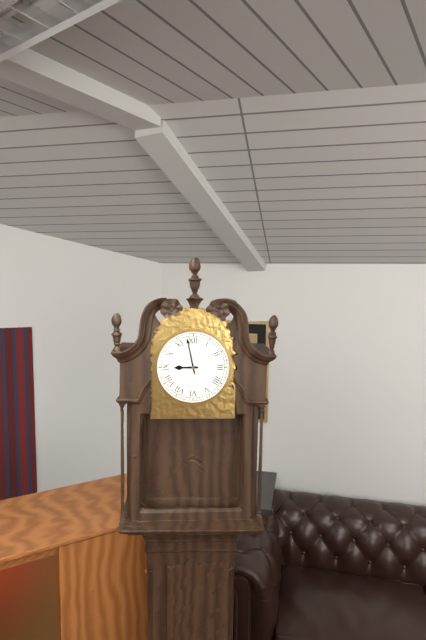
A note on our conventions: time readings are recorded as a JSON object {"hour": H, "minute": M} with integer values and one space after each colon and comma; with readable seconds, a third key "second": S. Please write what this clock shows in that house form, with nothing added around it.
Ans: {"hour": 8, "minute": 58}
